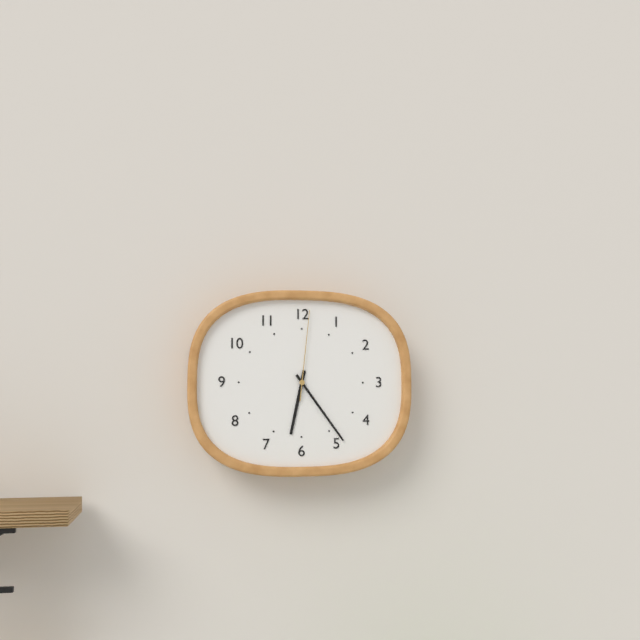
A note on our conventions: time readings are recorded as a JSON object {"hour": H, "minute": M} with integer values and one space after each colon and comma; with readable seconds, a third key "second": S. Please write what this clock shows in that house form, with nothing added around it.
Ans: {"hour": 6, "minute": 24, "second": 1}
